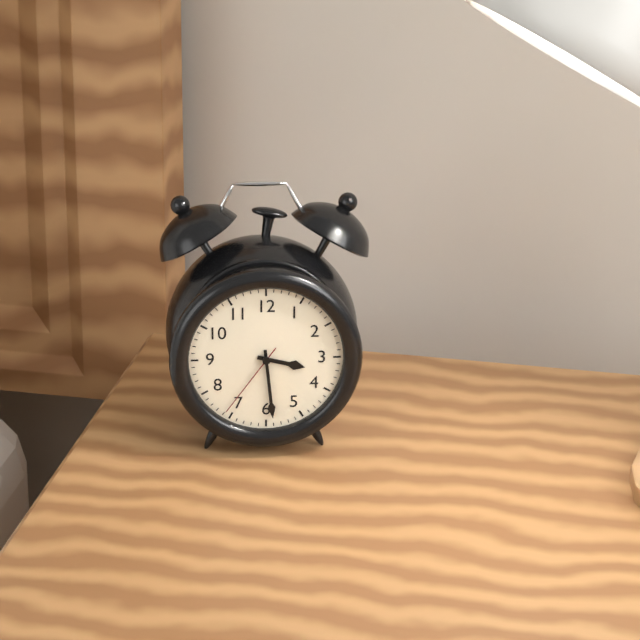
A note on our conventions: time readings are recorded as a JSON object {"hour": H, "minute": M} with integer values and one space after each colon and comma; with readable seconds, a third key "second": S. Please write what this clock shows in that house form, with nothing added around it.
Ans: {"hour": 3, "minute": 29, "second": 36}
